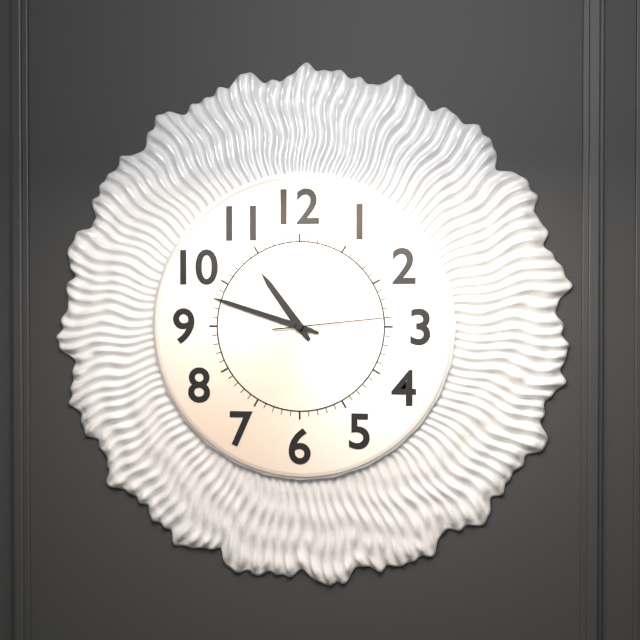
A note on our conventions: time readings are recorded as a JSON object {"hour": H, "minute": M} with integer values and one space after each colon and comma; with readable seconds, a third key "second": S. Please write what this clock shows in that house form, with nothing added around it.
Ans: {"hour": 10, "minute": 48, "second": 14}
